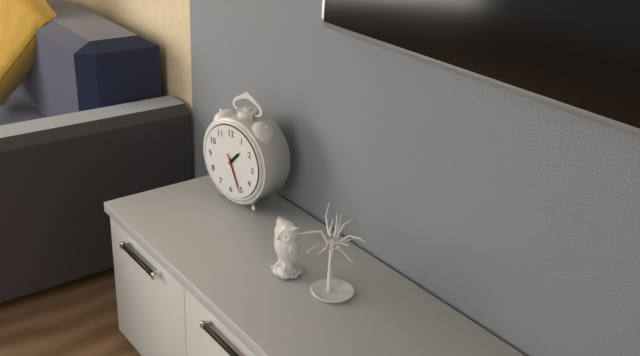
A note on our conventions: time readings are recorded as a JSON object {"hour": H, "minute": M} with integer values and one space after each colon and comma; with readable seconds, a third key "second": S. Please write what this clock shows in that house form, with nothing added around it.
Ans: {"hour": 1, "minute": 26}
